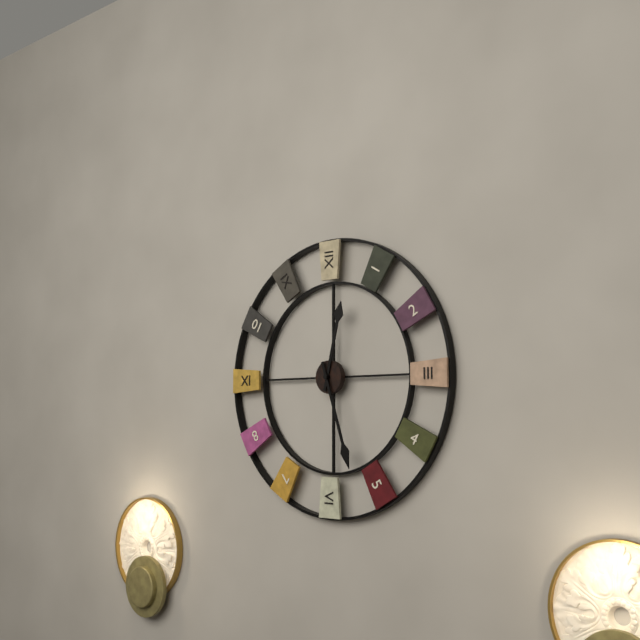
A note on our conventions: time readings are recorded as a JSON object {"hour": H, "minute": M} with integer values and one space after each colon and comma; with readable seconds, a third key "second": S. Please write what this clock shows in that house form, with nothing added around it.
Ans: {"hour": 12, "minute": 27}
